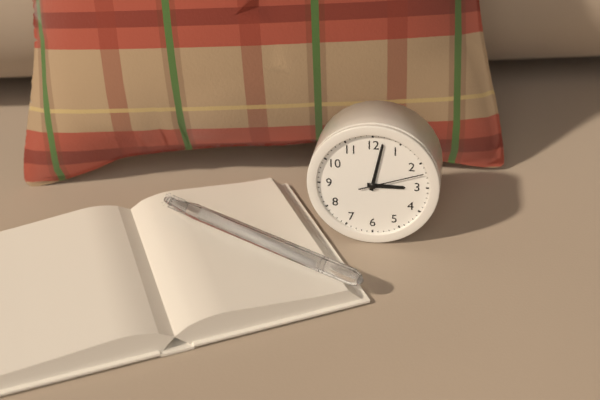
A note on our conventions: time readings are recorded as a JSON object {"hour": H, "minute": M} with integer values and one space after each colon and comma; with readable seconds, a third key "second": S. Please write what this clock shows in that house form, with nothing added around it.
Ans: {"hour": 3, "minute": 2, "second": 12}
